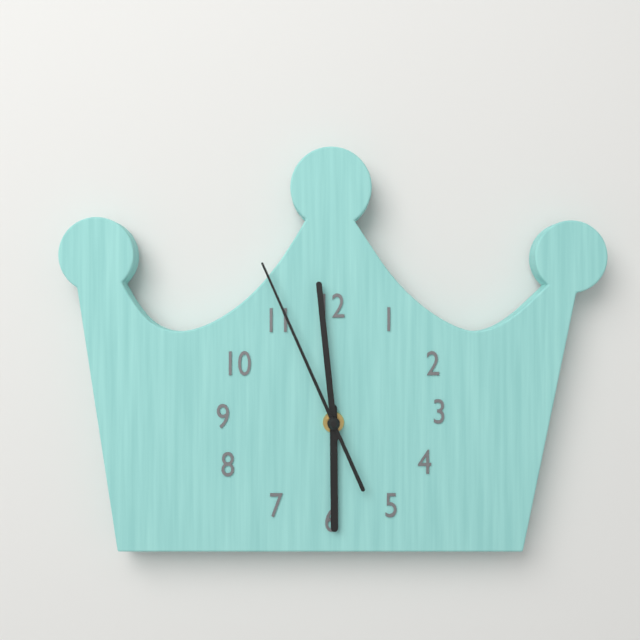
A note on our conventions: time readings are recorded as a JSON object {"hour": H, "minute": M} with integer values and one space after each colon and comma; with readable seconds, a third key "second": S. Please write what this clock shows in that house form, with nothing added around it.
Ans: {"hour": 5, "minute": 59, "second": 56}
